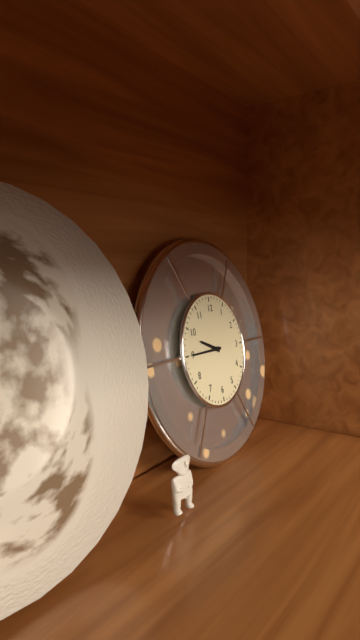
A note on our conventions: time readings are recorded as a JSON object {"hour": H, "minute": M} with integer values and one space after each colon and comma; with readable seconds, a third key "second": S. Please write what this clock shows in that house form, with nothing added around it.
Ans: {"hour": 9, "minute": 45}
